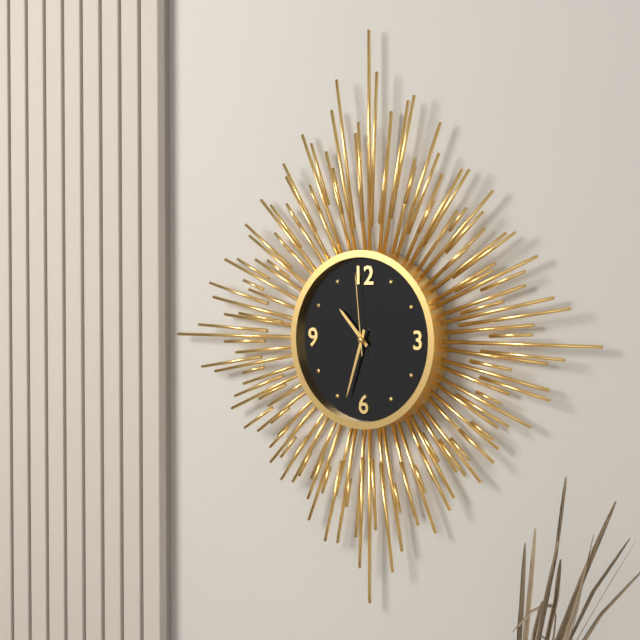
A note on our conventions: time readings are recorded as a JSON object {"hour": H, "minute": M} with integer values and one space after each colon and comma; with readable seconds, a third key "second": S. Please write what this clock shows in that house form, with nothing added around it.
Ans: {"hour": 10, "minute": 33, "second": 59}
